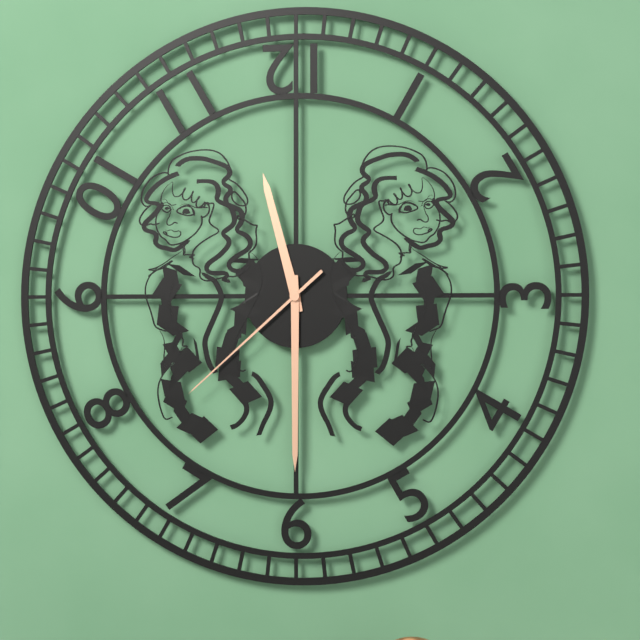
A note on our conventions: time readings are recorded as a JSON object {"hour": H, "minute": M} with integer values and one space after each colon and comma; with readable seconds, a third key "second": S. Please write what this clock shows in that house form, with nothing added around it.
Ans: {"hour": 11, "minute": 30, "second": 38}
